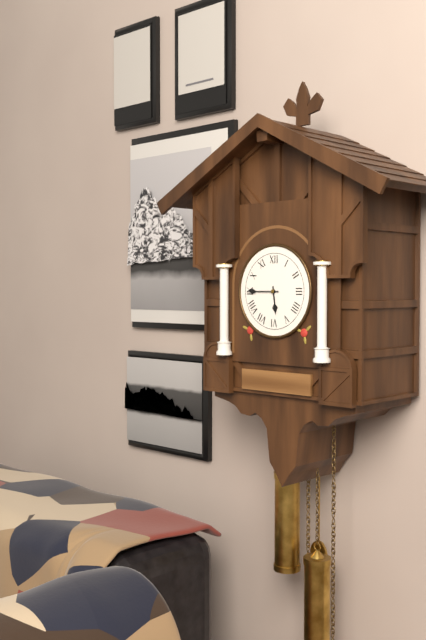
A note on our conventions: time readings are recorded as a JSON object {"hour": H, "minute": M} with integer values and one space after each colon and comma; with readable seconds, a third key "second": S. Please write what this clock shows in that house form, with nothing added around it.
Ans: {"hour": 5, "minute": 45}
